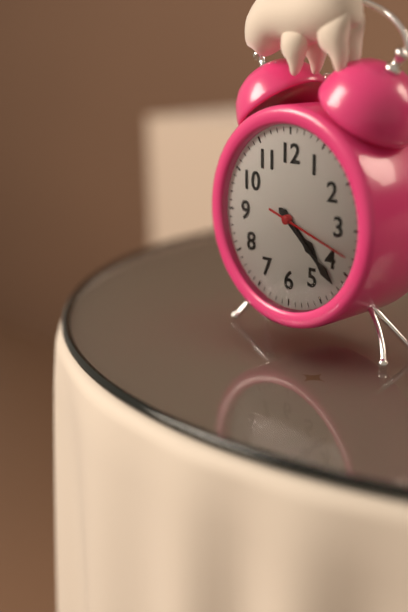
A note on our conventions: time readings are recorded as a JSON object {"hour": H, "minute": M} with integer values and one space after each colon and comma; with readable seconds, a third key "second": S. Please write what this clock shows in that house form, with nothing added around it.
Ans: {"hour": 4, "minute": 22, "second": 18}
